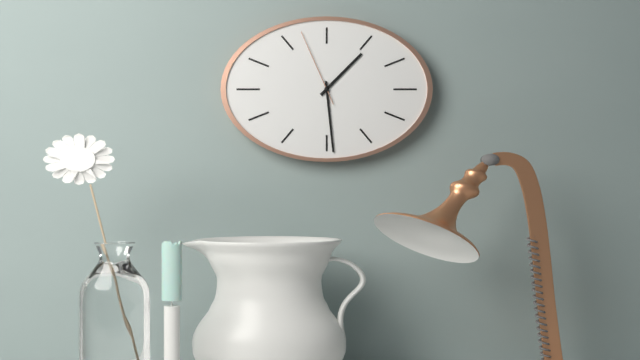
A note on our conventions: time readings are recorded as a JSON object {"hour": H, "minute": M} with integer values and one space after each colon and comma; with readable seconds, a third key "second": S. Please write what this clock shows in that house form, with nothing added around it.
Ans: {"hour": 1, "minute": 29, "second": 56}
